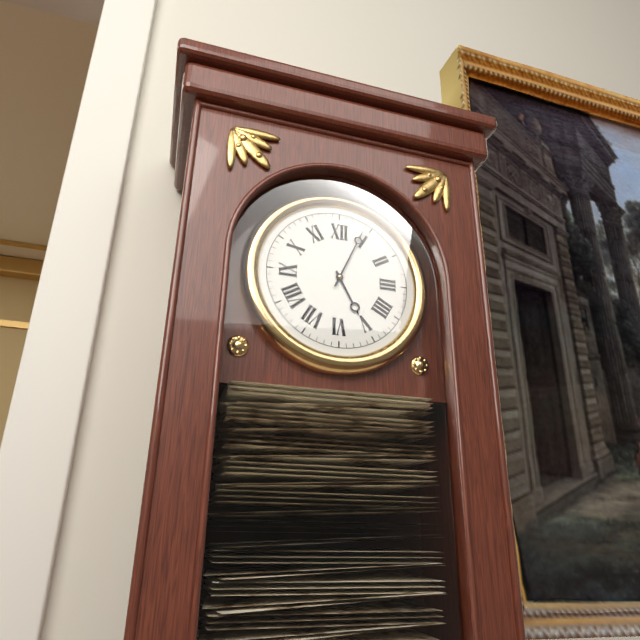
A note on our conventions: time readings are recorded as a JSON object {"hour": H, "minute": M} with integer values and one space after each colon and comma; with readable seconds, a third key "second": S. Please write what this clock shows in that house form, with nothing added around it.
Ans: {"hour": 5, "minute": 4}
